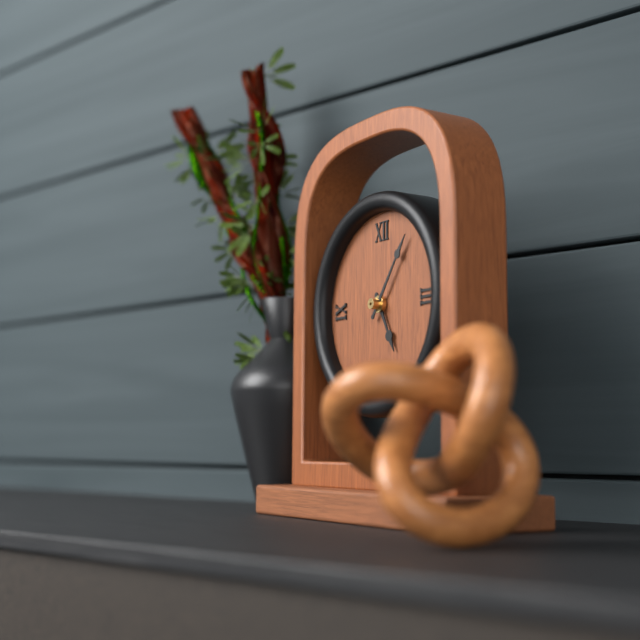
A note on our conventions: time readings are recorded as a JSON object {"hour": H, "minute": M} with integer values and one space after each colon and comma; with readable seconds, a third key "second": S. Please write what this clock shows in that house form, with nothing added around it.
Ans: {"hour": 5, "minute": 6}
